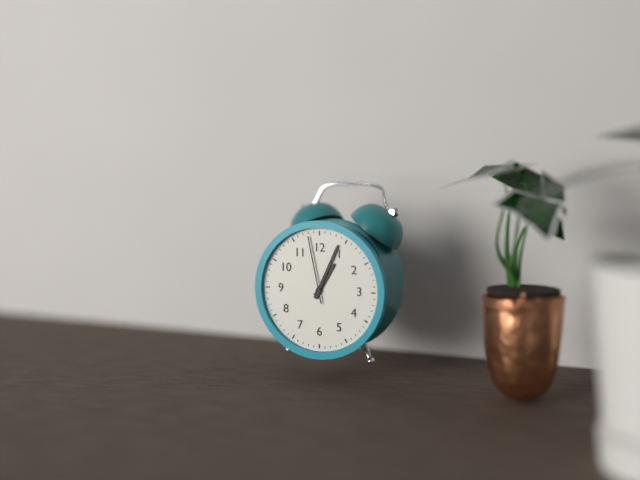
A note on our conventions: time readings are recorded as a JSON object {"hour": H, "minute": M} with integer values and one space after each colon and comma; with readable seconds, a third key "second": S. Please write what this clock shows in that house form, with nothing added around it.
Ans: {"hour": 1, "minute": 4, "second": 58}
